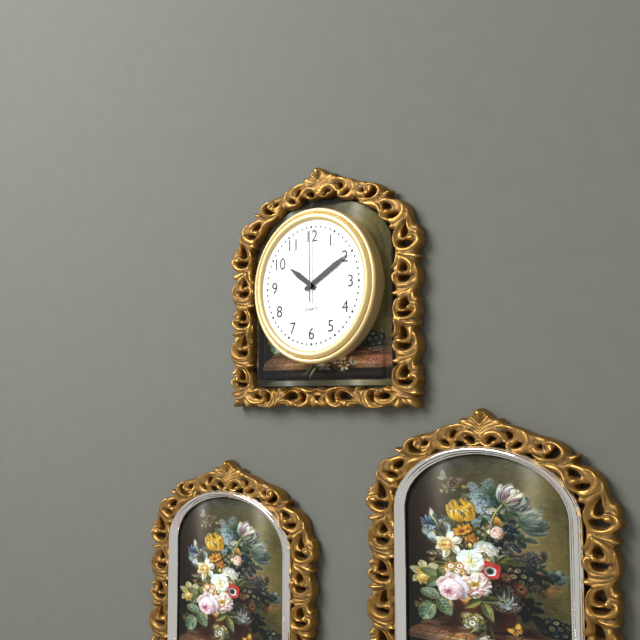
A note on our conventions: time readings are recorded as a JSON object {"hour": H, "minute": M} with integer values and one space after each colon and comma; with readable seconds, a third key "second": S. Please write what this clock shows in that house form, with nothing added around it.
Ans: {"hour": 10, "minute": 10, "second": 0}
